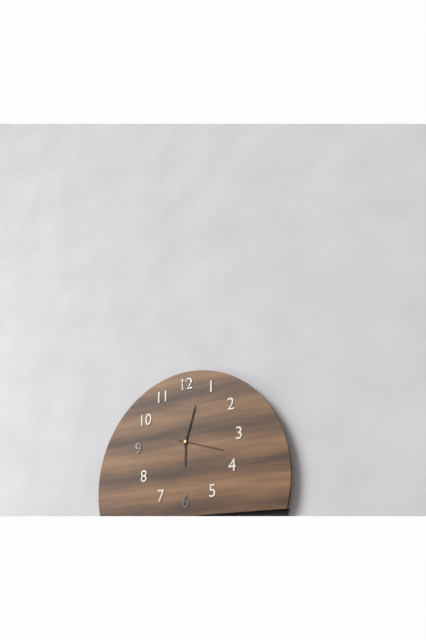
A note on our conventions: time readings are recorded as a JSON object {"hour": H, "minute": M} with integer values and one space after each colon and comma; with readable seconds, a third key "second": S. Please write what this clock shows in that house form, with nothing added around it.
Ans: {"hour": 6, "minute": 3}
